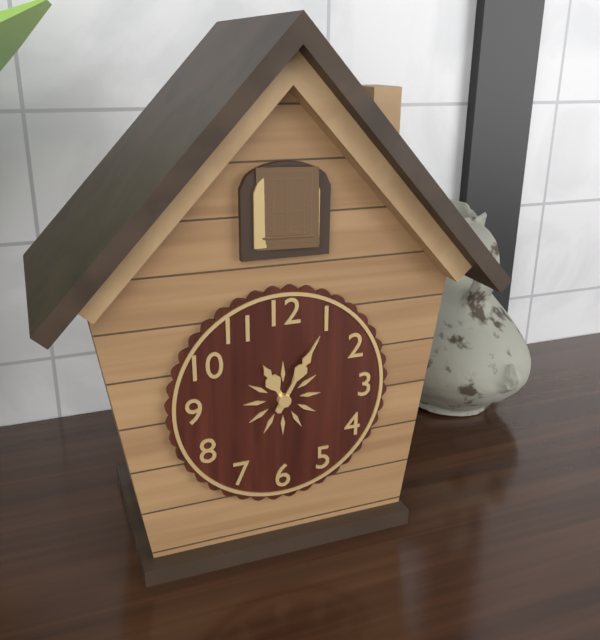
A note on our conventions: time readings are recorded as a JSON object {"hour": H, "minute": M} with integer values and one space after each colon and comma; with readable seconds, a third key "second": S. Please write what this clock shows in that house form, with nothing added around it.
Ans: {"hour": 11, "minute": 5}
